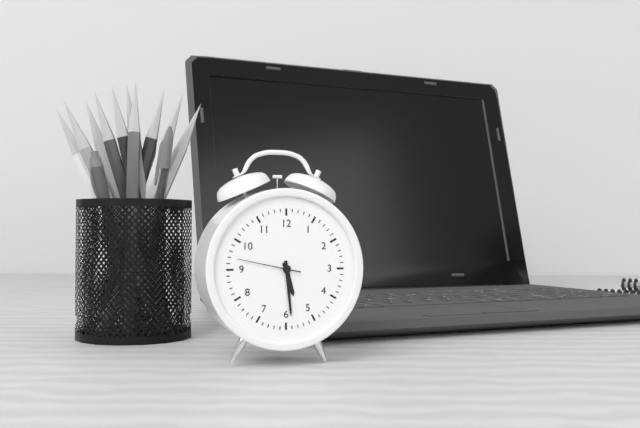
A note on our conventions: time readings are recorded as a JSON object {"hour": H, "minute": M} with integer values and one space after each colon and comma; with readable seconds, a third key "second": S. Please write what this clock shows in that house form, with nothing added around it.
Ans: {"hour": 5, "minute": 29, "second": 47}
